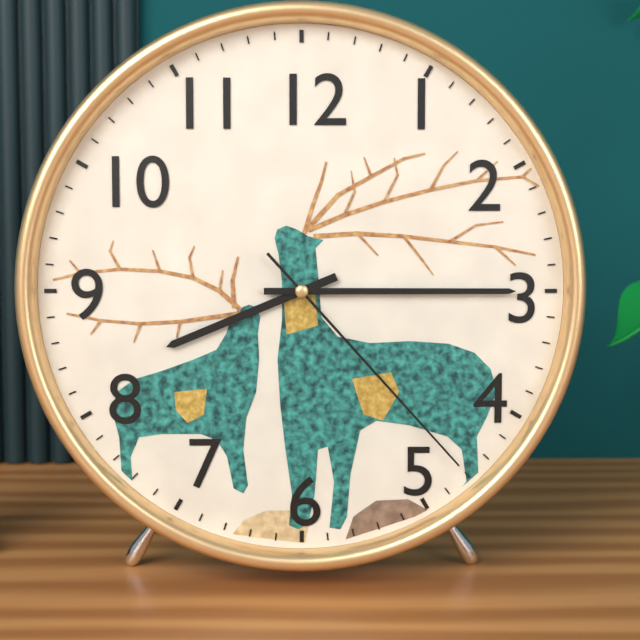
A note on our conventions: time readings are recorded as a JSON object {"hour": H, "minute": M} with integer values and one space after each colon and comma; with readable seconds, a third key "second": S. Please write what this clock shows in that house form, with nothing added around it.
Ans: {"hour": 8, "minute": 15, "second": 23}
